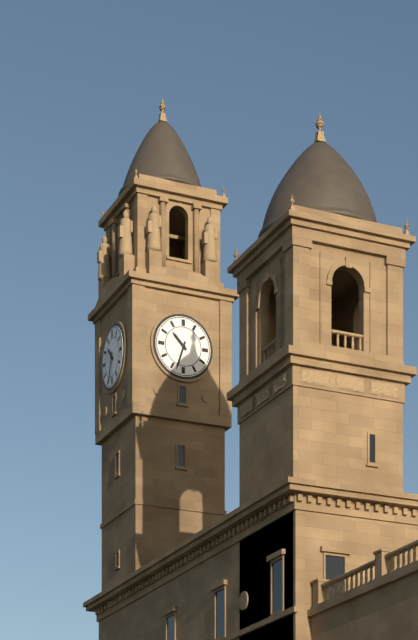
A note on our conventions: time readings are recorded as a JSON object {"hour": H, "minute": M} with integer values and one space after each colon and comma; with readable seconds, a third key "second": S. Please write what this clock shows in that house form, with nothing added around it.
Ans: {"hour": 10, "minute": 33}
